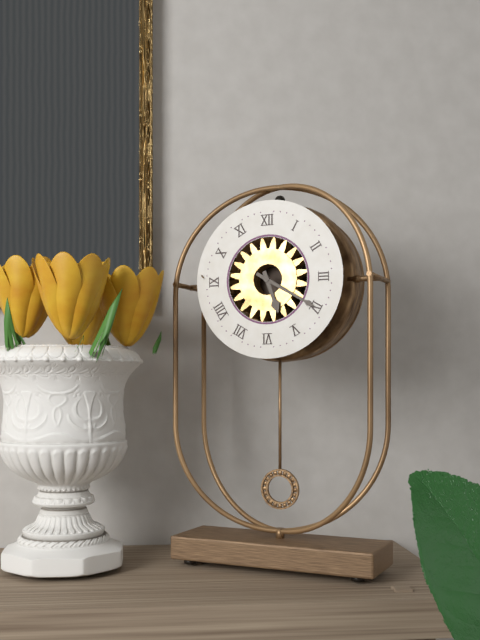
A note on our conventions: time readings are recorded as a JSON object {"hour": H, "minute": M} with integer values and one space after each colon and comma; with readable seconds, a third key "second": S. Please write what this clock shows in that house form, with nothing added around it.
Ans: {"hour": 5, "minute": 20}
